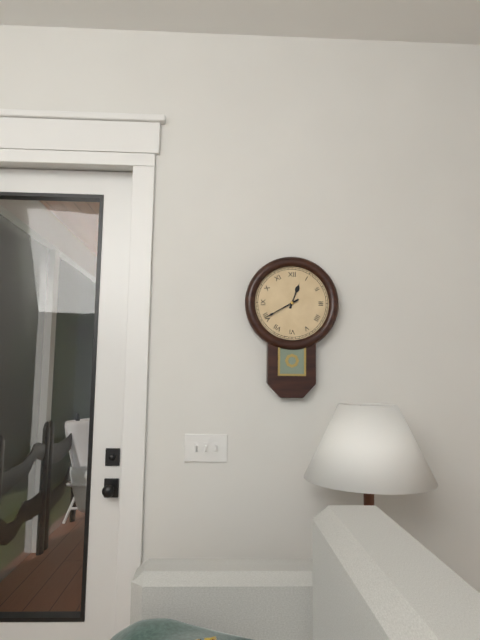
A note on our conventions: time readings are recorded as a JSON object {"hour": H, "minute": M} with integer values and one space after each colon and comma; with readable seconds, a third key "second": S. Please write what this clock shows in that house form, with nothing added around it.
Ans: {"hour": 12, "minute": 40}
